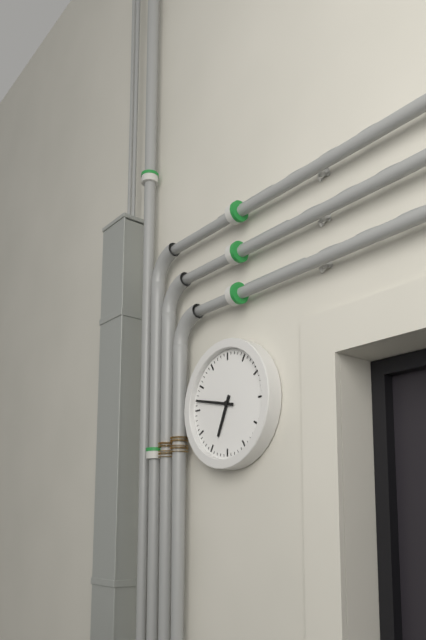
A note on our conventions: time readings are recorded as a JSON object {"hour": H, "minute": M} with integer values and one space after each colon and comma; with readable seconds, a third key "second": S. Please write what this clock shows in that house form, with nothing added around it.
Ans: {"hour": 6, "minute": 47}
